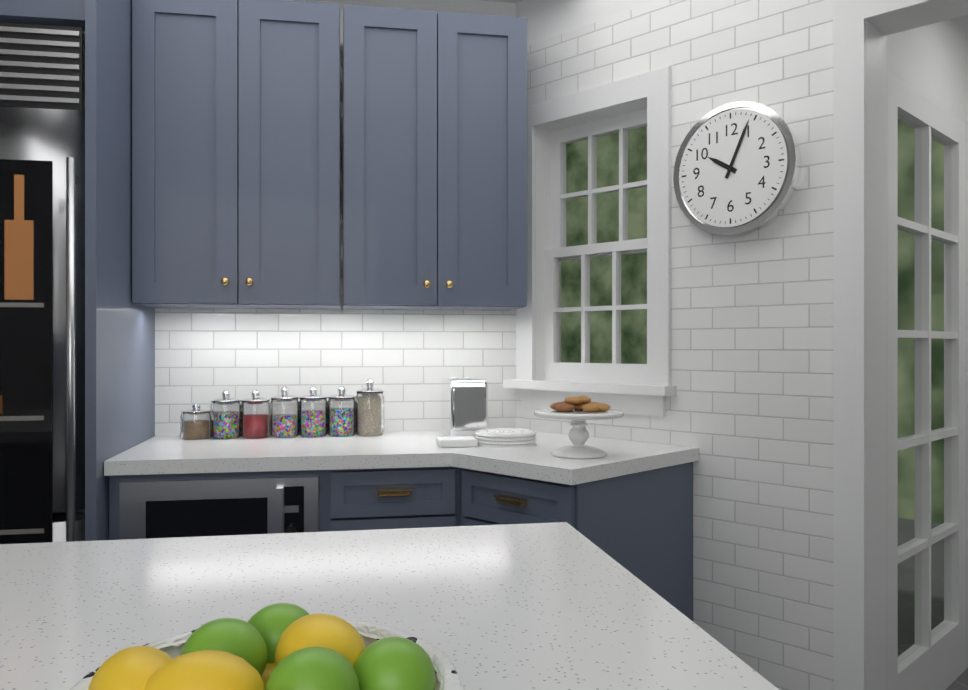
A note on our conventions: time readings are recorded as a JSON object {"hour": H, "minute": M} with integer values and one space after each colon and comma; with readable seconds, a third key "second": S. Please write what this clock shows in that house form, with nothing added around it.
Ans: {"hour": 10, "minute": 4}
